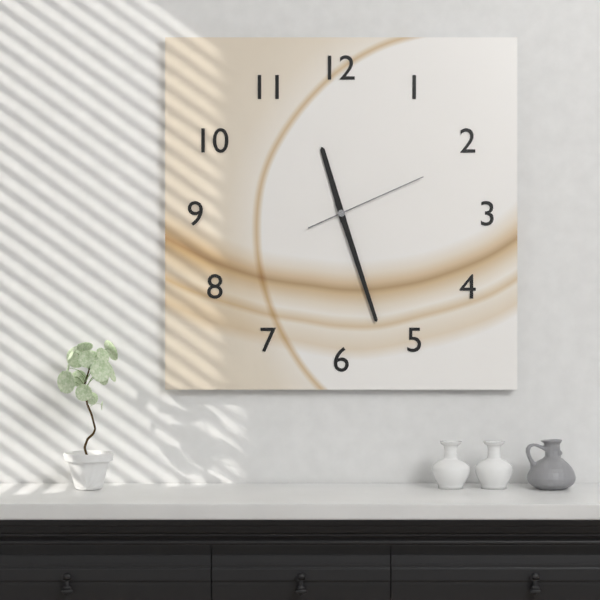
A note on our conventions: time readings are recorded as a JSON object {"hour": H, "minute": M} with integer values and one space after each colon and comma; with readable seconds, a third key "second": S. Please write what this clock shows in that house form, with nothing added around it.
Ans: {"hour": 11, "minute": 27, "second": 11}
